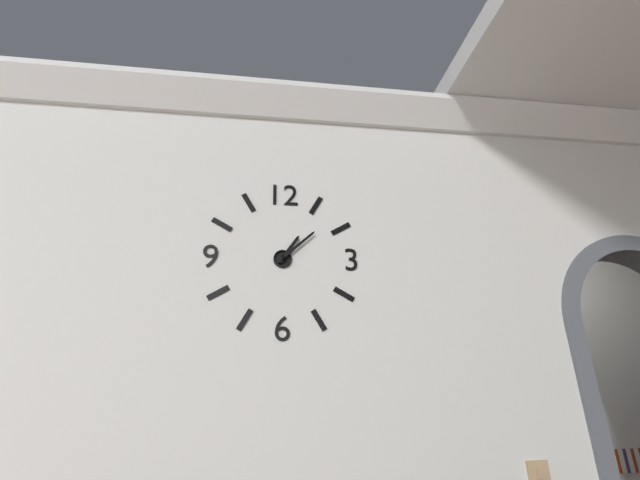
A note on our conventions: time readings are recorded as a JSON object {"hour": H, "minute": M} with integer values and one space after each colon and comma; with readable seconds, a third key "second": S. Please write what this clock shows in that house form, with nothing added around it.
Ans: {"hour": 1, "minute": 8}
